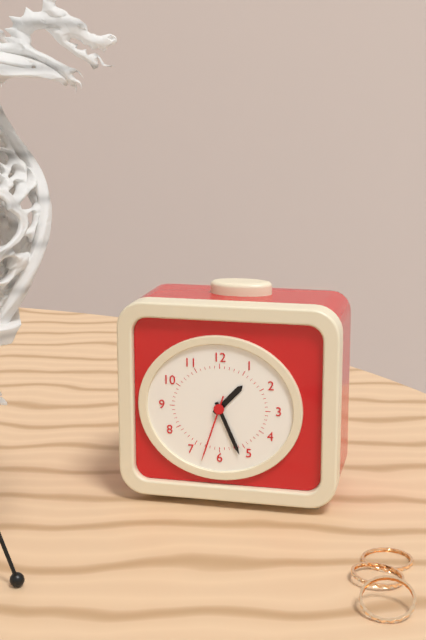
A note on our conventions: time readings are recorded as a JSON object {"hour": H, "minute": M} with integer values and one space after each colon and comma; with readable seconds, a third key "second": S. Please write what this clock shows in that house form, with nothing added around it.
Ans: {"hour": 1, "minute": 26, "second": 33}
